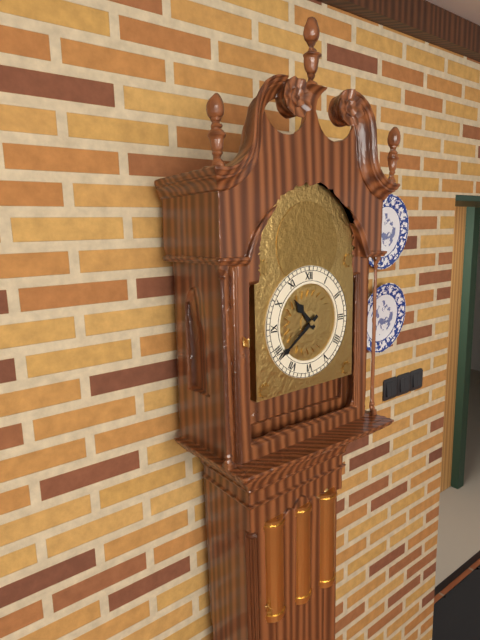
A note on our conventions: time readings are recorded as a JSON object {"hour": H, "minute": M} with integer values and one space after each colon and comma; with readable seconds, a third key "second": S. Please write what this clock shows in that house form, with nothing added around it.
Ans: {"hour": 10, "minute": 39}
